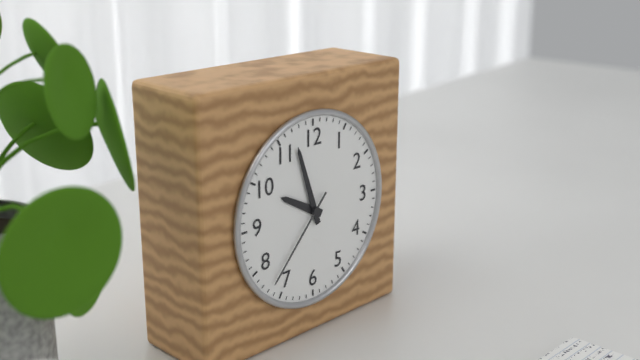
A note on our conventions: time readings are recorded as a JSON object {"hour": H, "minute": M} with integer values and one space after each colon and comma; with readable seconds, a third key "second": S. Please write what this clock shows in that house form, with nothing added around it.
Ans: {"hour": 9, "minute": 57, "second": 37}
